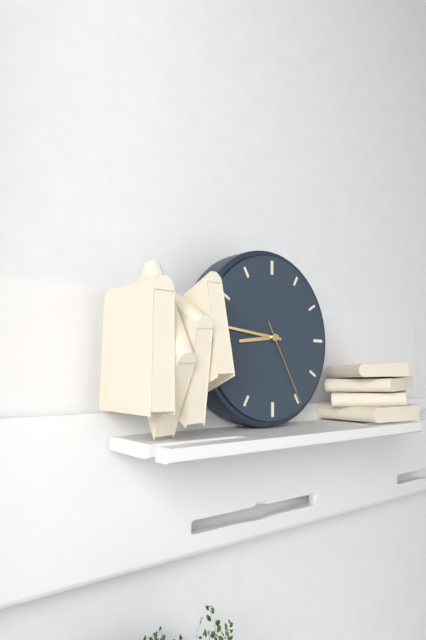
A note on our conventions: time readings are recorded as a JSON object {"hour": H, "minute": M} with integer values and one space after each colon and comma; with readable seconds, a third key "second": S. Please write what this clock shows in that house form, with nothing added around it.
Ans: {"hour": 8, "minute": 46, "second": 25}
